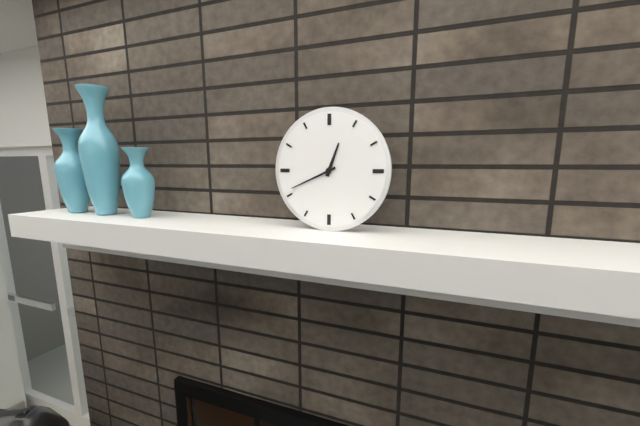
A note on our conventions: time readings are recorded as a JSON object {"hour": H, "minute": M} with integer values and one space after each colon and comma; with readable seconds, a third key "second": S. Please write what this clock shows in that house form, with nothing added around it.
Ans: {"hour": 12, "minute": 41}
